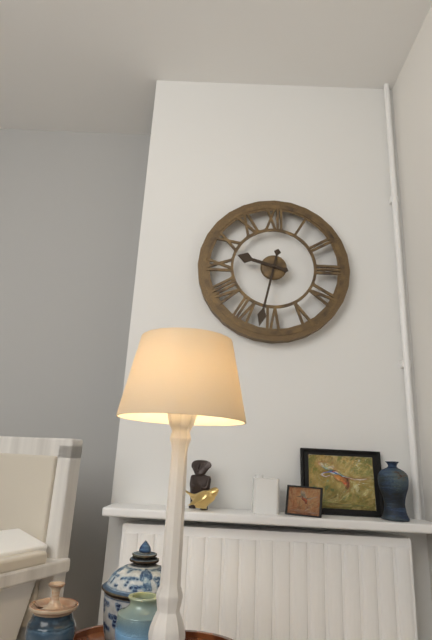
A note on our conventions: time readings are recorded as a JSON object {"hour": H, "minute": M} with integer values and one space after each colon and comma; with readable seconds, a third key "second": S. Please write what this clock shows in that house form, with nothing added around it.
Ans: {"hour": 9, "minute": 32}
